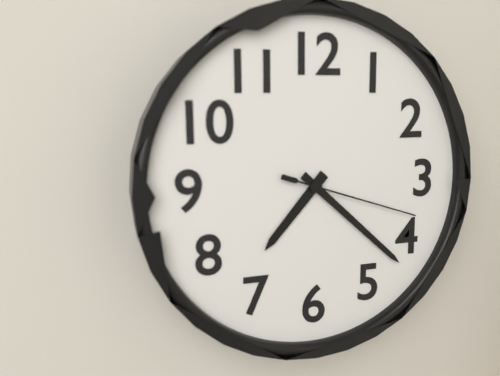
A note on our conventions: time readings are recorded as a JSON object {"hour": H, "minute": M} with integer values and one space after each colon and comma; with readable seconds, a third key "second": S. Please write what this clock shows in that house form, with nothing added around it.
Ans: {"hour": 7, "minute": 22, "second": 18}
